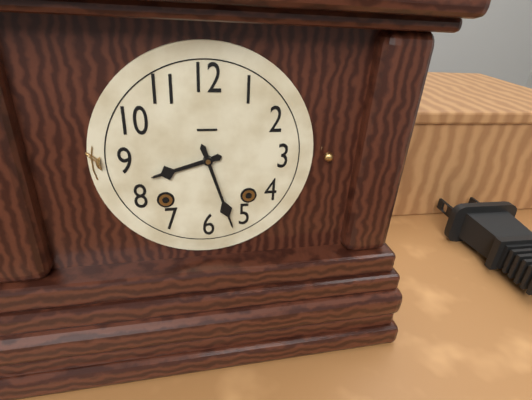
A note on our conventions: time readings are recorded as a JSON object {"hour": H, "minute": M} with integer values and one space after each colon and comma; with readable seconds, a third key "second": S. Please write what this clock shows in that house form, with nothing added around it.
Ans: {"hour": 8, "minute": 27}
